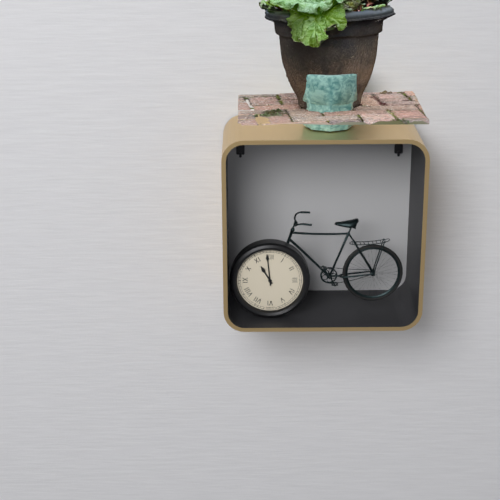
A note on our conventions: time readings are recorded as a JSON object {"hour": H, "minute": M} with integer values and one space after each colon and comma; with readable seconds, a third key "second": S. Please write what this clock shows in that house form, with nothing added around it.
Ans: {"hour": 10, "minute": 59}
